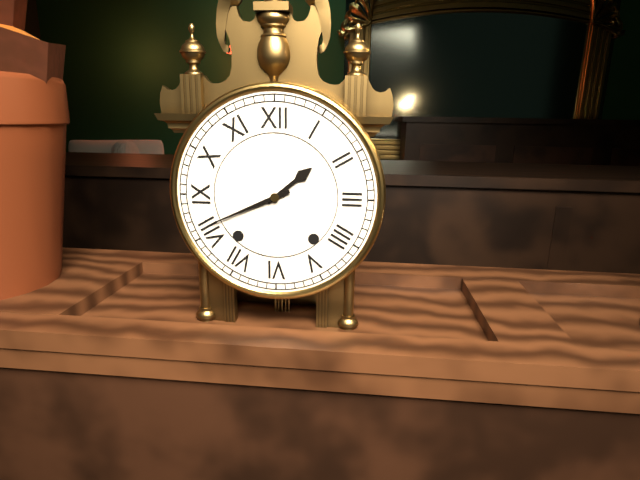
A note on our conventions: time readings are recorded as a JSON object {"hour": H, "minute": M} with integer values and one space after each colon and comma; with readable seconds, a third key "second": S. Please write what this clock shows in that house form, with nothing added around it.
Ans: {"hour": 1, "minute": 41}
